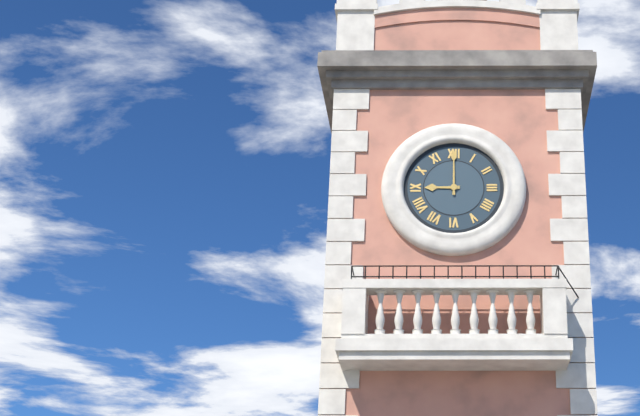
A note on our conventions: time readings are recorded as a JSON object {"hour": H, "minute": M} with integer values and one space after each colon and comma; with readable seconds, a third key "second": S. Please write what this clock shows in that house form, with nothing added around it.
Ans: {"hour": 9, "minute": 0}
